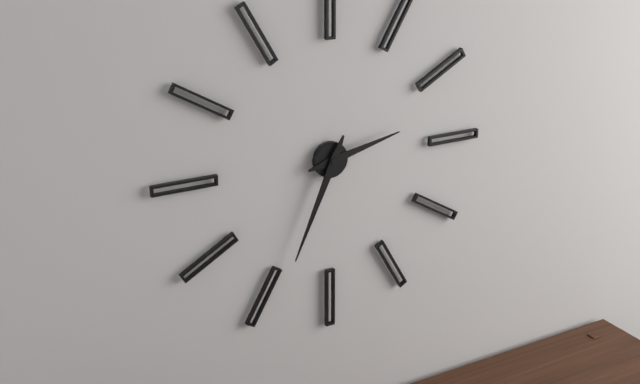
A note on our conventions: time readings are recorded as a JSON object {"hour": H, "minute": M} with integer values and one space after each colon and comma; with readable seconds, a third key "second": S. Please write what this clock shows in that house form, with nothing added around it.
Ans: {"hour": 2, "minute": 34}
